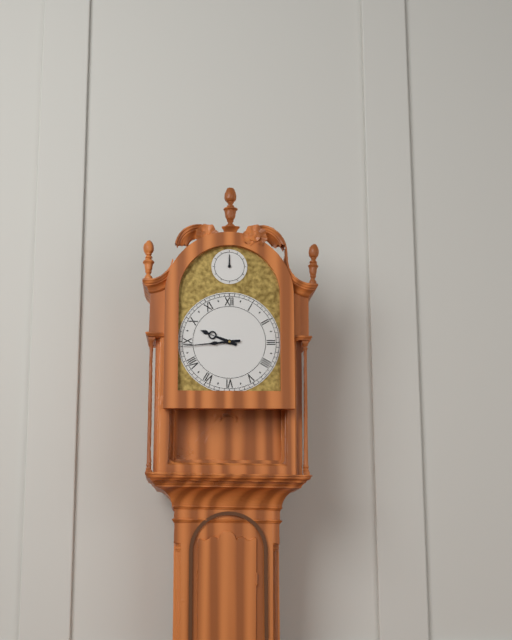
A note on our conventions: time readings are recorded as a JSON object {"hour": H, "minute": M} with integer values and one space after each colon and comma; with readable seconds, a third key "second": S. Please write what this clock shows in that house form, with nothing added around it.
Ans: {"hour": 9, "minute": 44}
